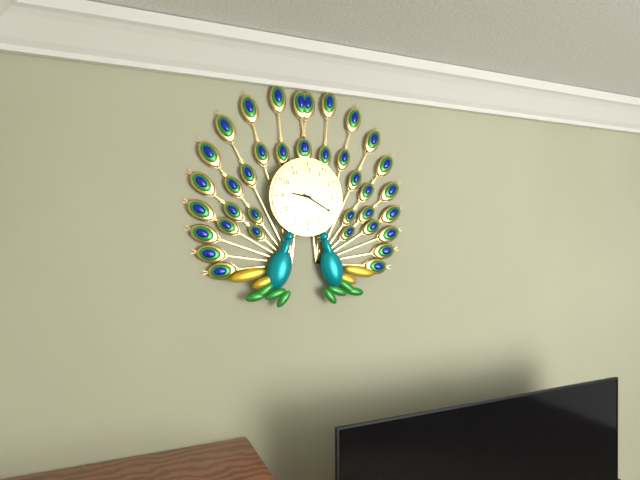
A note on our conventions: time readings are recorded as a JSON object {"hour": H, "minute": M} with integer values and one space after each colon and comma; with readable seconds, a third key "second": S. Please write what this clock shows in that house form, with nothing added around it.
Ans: {"hour": 9, "minute": 20}
